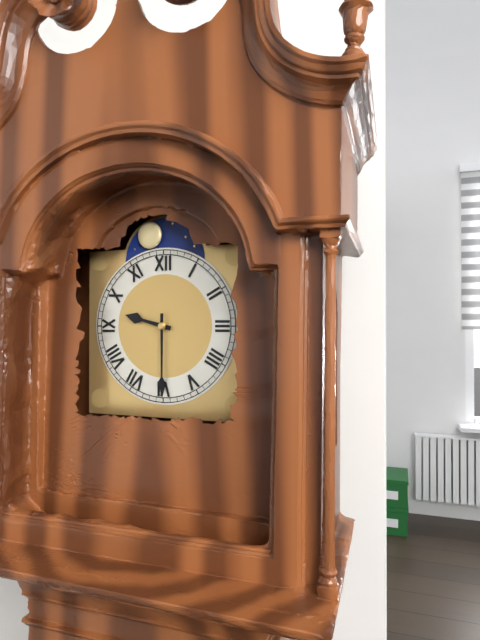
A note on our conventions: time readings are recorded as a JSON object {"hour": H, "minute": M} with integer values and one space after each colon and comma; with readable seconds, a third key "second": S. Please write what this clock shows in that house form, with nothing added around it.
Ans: {"hour": 9, "minute": 30}
